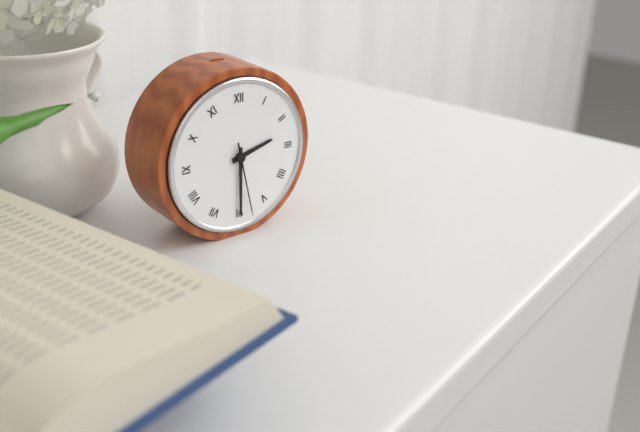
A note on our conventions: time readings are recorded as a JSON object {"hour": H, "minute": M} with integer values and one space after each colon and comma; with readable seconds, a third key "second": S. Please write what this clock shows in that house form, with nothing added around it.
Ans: {"hour": 2, "minute": 30, "second": 28}
